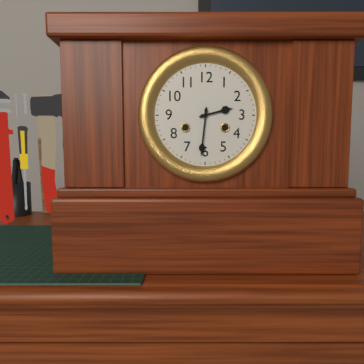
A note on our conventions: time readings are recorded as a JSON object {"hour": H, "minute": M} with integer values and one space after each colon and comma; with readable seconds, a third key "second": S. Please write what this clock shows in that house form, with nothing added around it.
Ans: {"hour": 2, "minute": 31}
